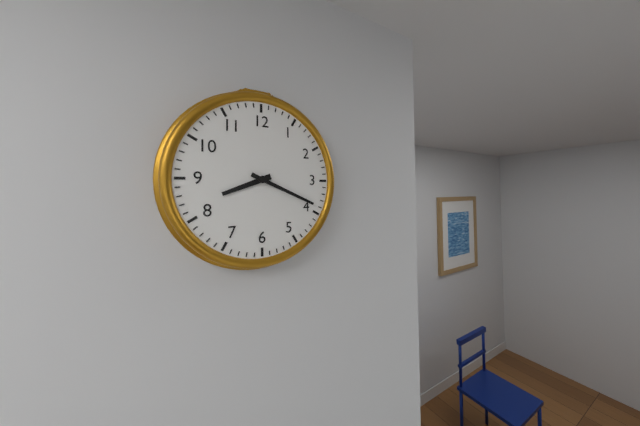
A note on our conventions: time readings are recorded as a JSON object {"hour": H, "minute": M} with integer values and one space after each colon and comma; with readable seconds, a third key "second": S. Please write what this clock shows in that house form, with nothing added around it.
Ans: {"hour": 8, "minute": 19}
